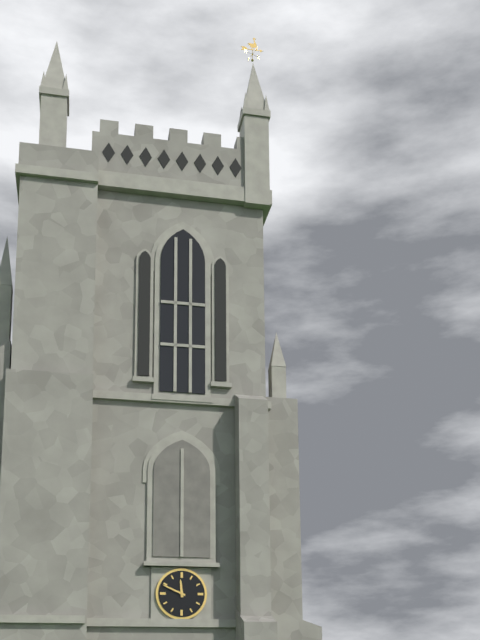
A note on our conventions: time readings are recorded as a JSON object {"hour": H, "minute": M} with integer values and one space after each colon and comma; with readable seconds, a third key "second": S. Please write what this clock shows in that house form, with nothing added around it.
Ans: {"hour": 11, "minute": 49}
